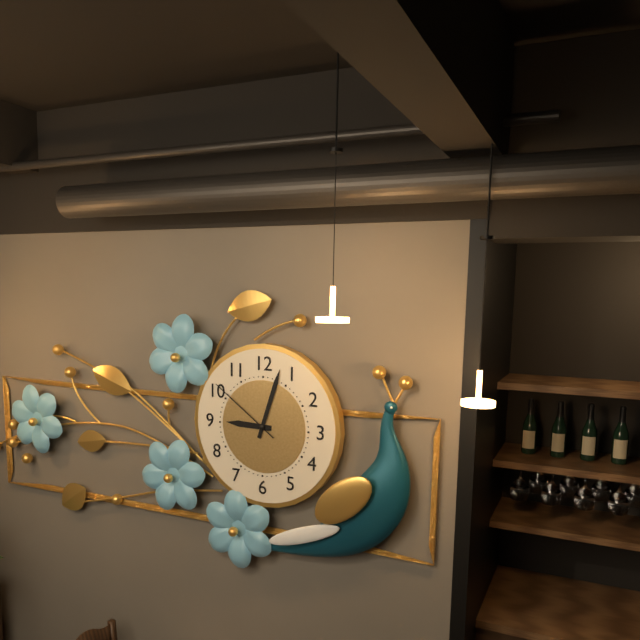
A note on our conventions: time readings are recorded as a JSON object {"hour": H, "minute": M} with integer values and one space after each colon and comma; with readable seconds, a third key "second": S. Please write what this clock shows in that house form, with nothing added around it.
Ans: {"hour": 9, "minute": 3, "second": 51}
